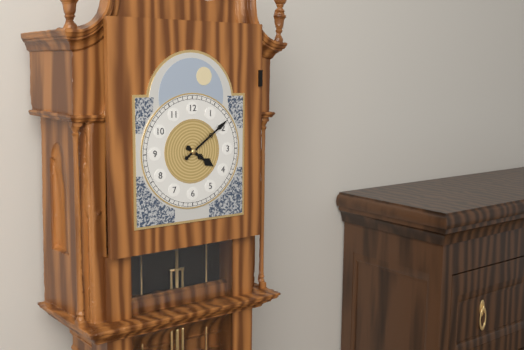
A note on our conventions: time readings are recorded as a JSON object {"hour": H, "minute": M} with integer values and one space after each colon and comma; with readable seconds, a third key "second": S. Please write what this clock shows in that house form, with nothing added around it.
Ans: {"hour": 4, "minute": 9}
